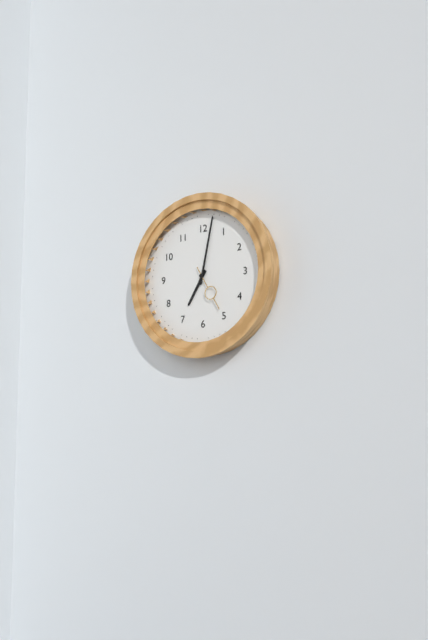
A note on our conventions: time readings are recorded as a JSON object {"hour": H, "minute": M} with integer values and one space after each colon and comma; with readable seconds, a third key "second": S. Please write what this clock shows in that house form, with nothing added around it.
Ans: {"hour": 7, "minute": 2}
